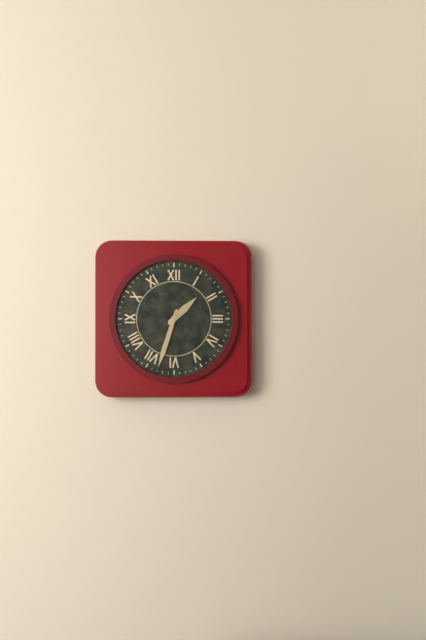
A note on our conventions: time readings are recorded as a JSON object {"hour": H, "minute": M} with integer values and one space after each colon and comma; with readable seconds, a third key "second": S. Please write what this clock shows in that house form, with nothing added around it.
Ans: {"hour": 1, "minute": 33}
